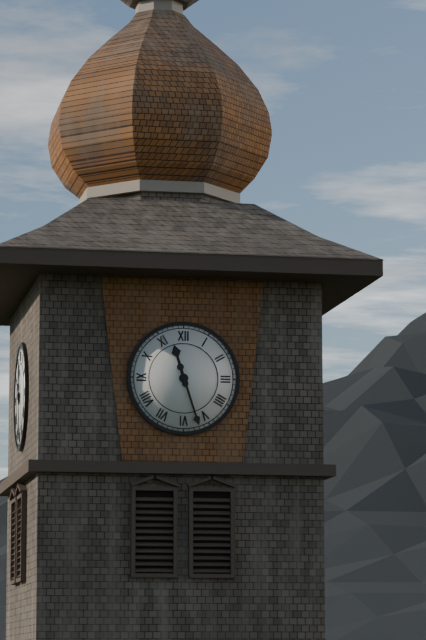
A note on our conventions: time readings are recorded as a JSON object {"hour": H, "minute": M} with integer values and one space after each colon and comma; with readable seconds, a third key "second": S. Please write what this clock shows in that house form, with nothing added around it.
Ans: {"hour": 11, "minute": 27}
